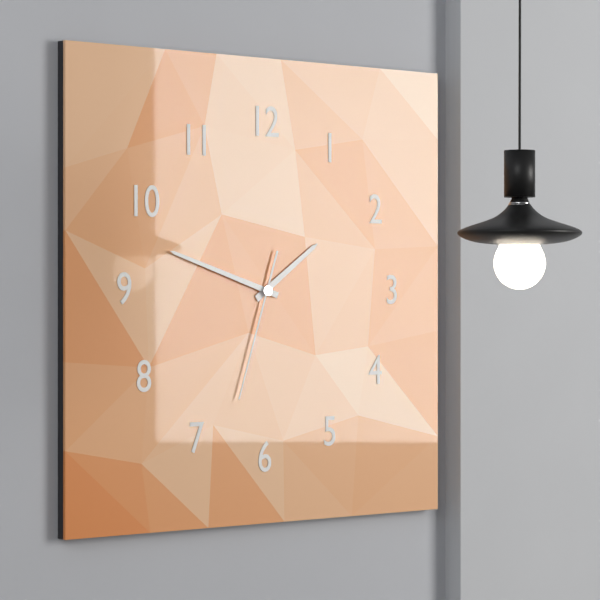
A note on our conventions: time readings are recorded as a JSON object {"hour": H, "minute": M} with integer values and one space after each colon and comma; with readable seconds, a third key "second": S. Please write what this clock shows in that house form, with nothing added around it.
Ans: {"hour": 1, "minute": 48, "second": 33}
